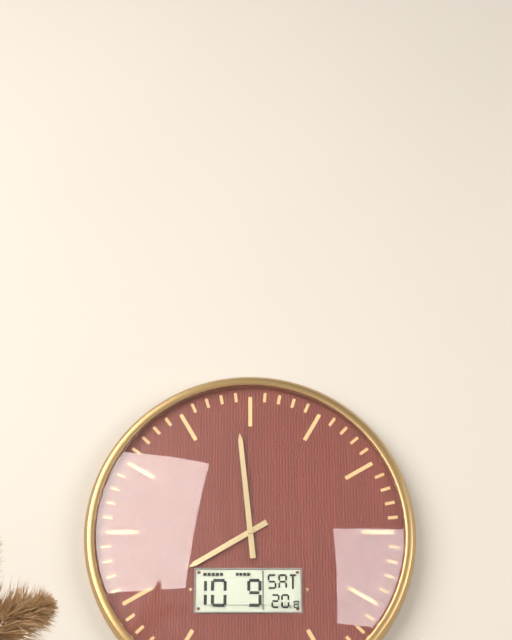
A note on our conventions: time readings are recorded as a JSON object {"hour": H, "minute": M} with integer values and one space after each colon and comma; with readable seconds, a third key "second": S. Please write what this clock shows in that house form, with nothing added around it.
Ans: {"hour": 7, "minute": 59}
